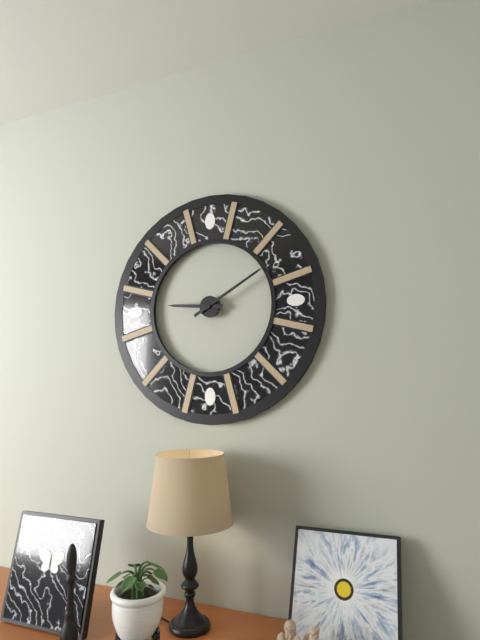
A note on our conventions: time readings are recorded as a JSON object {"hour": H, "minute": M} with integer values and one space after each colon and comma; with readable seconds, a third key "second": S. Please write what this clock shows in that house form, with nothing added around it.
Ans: {"hour": 9, "minute": 10}
